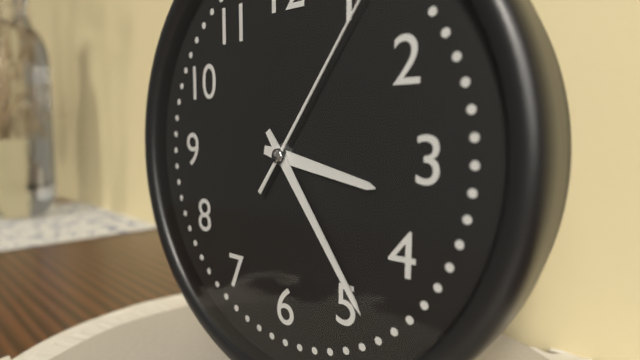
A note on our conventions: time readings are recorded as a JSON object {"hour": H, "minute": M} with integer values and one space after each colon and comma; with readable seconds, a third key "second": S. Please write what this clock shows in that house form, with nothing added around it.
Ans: {"hour": 3, "minute": 24}
